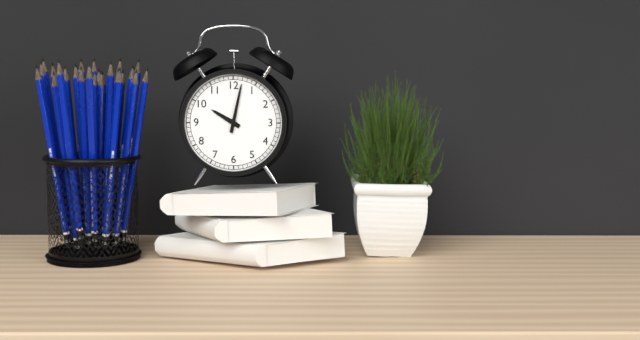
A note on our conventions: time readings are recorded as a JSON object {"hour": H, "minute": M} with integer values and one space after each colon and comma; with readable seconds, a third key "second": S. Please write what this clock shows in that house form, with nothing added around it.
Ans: {"hour": 10, "minute": 2}
